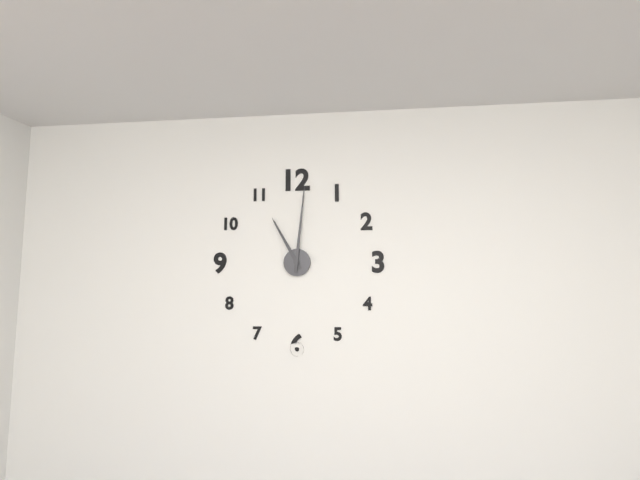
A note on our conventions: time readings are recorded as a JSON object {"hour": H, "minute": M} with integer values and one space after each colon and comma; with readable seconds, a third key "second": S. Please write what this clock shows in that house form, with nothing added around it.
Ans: {"hour": 11, "minute": 1}
